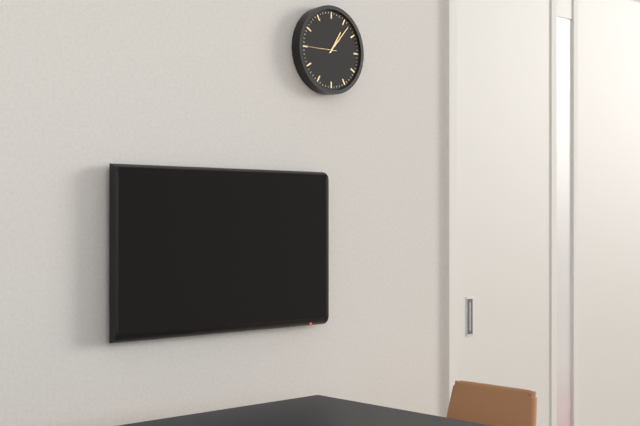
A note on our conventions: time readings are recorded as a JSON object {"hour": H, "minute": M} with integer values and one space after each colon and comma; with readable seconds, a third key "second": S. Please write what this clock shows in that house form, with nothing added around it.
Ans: {"hour": 1, "minute": 7}
